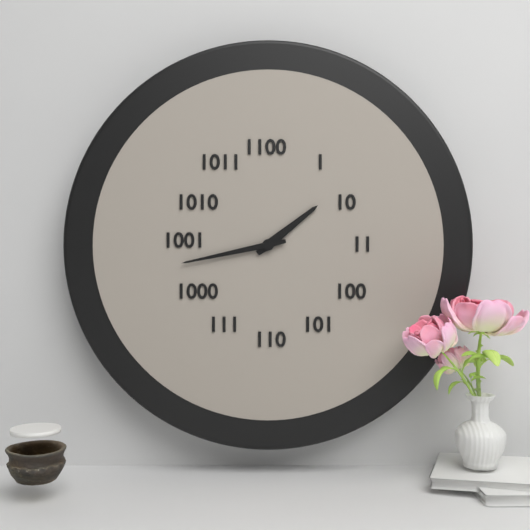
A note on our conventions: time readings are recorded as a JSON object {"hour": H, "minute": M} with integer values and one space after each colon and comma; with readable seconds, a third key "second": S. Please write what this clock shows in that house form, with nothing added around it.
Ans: {"hour": 1, "minute": 43}
